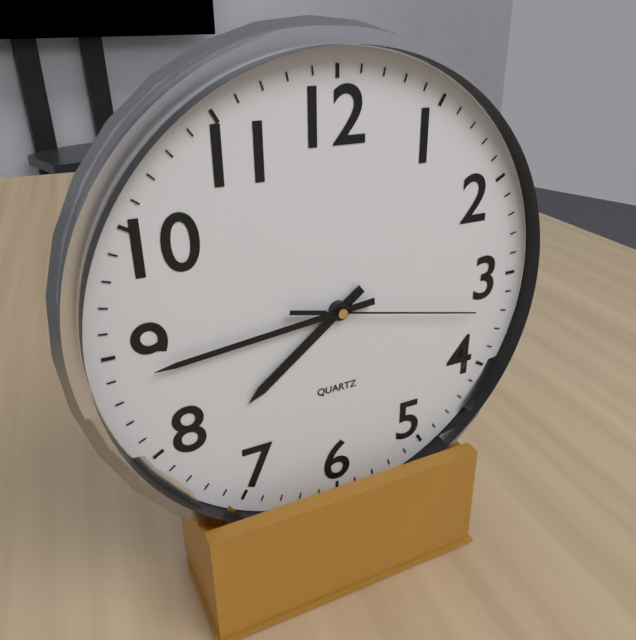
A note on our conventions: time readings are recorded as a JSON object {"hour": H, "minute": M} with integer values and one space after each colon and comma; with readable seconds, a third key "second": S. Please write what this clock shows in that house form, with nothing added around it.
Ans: {"hour": 7, "minute": 44, "second": 17}
